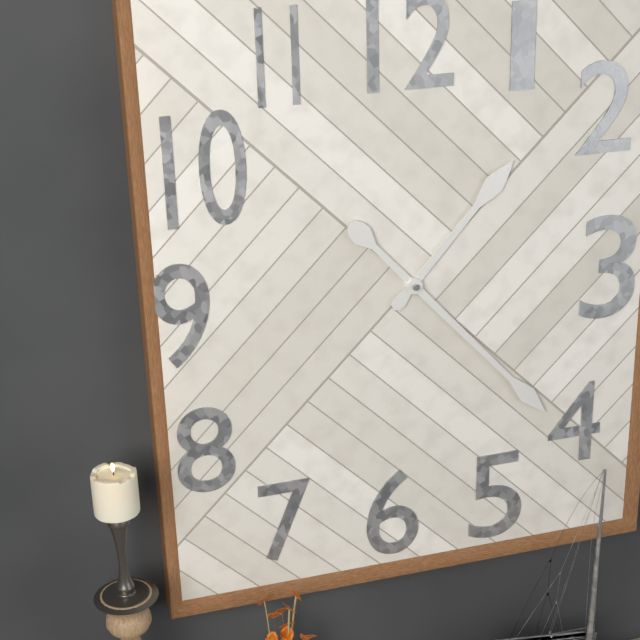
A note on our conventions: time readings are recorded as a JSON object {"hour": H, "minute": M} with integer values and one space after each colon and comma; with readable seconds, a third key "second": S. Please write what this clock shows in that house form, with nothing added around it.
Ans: {"hour": 1, "minute": 23}
